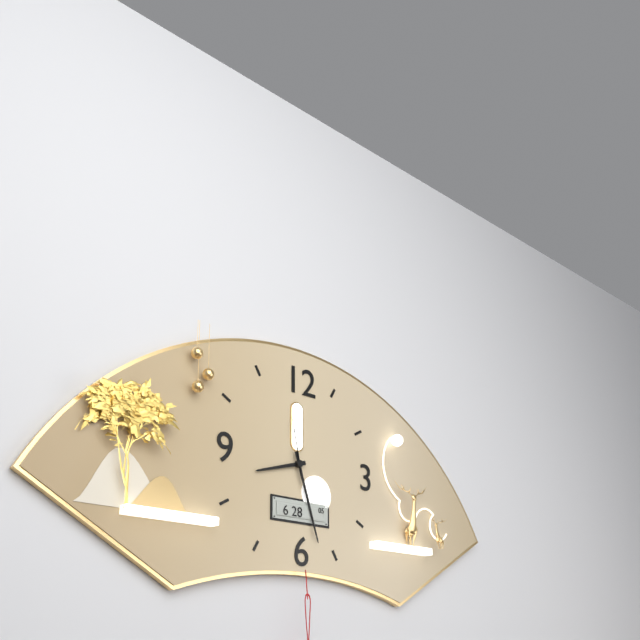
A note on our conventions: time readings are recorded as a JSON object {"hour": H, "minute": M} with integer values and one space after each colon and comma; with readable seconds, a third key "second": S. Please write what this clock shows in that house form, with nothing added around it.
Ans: {"hour": 8, "minute": 27, "second": 58}
